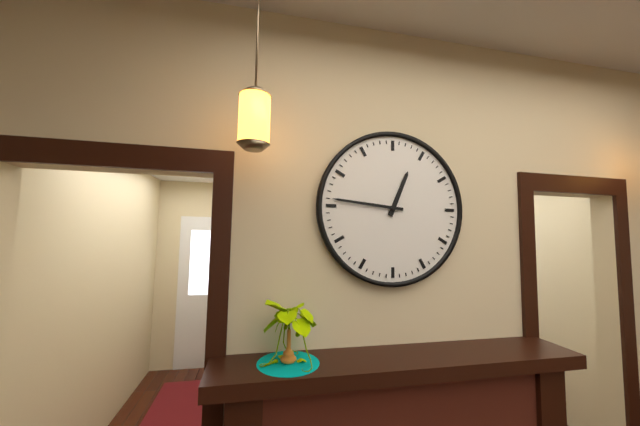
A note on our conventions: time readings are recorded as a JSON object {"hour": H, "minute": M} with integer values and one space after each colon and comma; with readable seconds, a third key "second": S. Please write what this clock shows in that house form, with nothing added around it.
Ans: {"hour": 12, "minute": 46}
